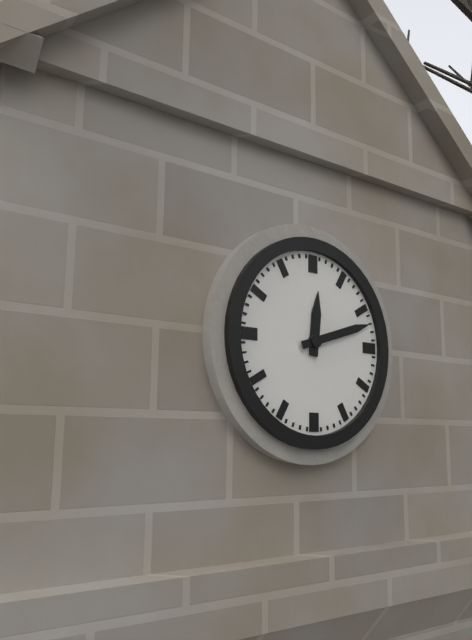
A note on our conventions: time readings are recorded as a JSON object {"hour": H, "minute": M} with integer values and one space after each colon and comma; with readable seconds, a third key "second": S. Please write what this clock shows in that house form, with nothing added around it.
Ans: {"hour": 12, "minute": 12}
